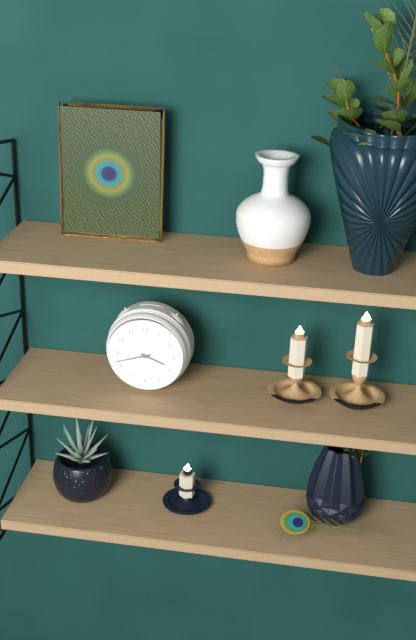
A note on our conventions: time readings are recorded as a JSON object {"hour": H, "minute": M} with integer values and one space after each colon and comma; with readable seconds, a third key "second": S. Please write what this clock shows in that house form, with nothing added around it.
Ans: {"hour": 3, "minute": 42}
